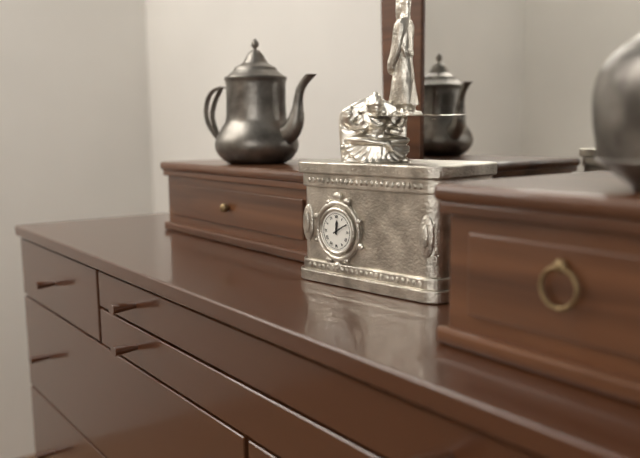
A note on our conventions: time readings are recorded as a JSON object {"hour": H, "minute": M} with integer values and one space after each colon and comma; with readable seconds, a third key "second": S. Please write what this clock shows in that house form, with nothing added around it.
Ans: {"hour": 12, "minute": 10}
